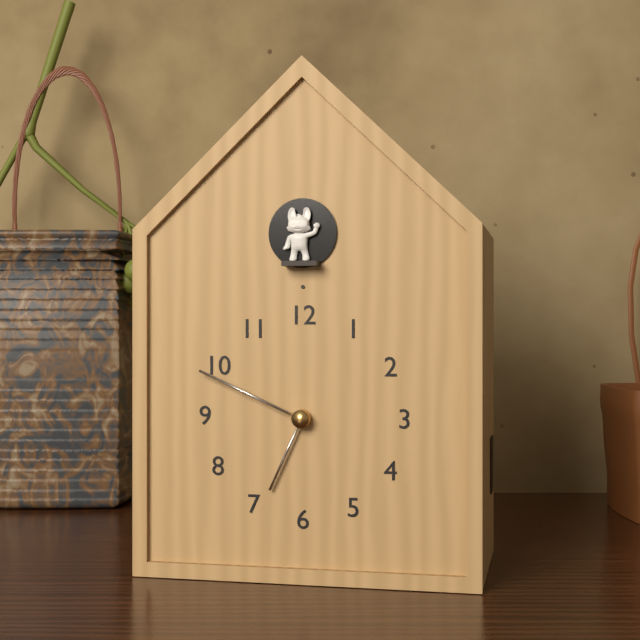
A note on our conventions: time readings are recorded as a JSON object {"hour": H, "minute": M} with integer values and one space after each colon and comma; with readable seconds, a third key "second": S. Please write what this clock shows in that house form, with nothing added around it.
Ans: {"hour": 6, "minute": 49}
